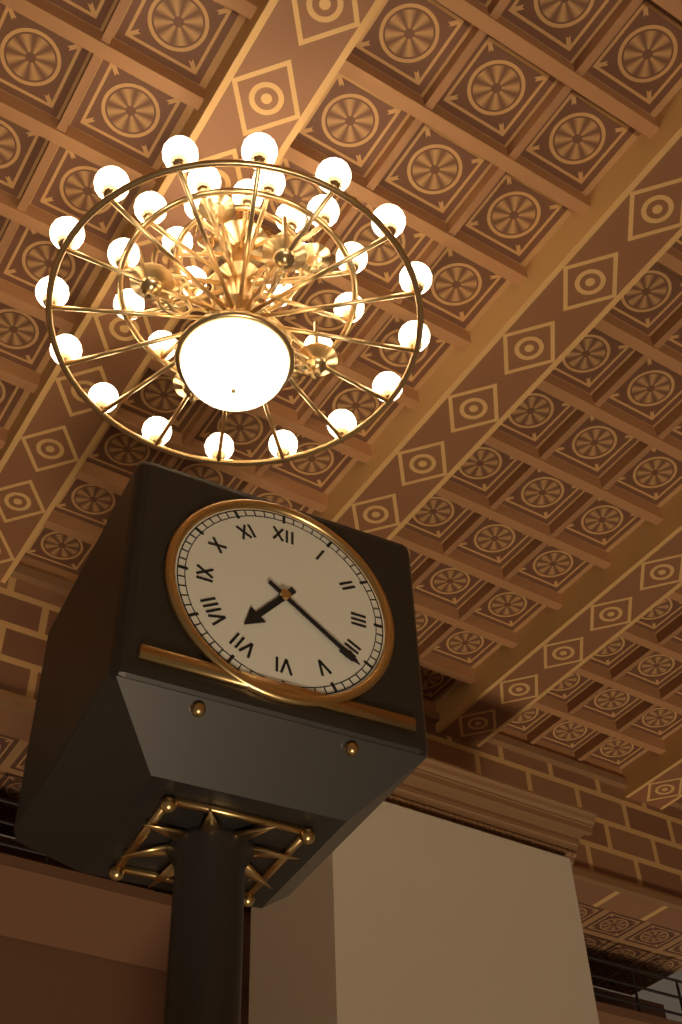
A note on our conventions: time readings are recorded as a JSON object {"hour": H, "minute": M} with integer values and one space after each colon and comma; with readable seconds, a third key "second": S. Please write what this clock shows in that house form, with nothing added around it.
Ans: {"hour": 7, "minute": 21}
